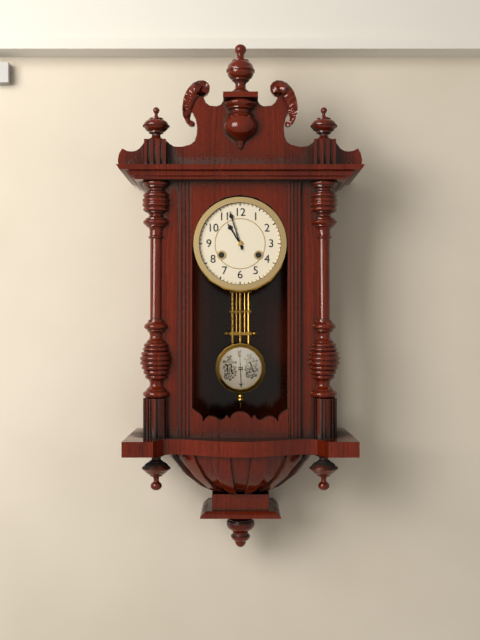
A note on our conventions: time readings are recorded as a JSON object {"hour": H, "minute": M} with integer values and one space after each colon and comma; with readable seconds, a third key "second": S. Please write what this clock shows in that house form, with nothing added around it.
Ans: {"hour": 10, "minute": 57}
